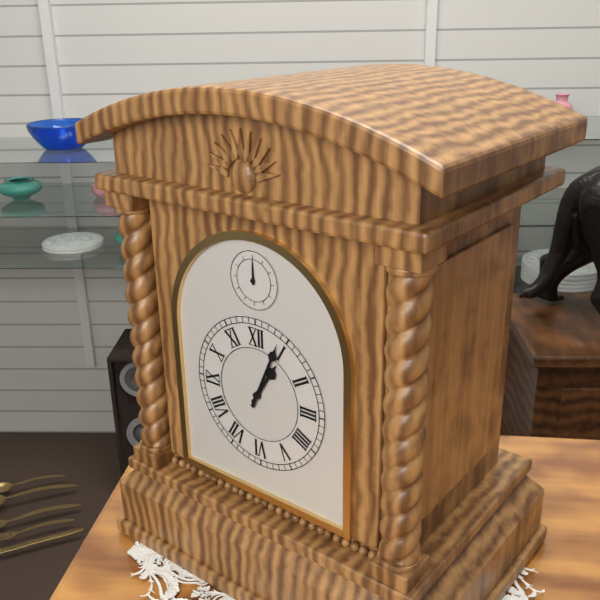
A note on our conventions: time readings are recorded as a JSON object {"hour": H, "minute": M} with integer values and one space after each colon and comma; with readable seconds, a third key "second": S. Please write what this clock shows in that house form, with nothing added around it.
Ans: {"hour": 1, "minute": 4}
